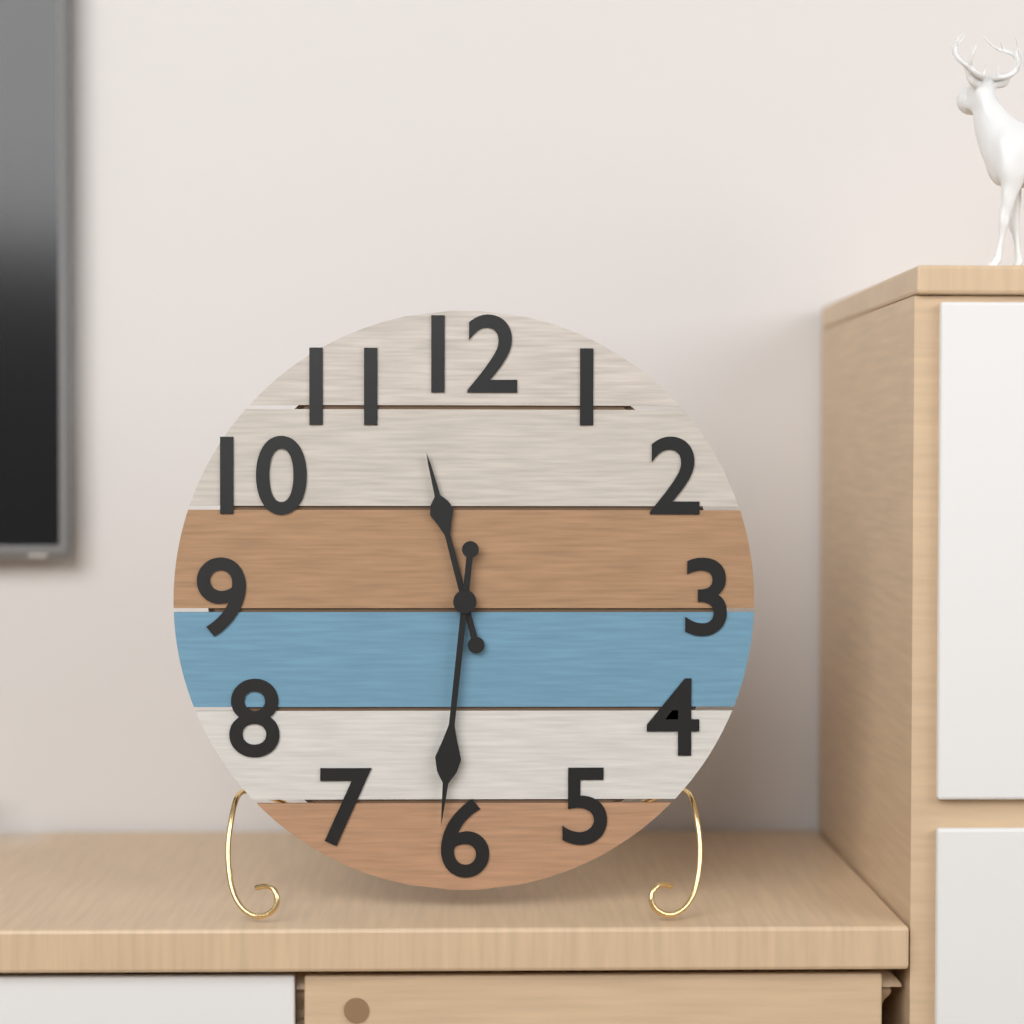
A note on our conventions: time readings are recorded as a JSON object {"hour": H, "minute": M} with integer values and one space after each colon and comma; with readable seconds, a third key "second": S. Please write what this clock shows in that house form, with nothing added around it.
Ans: {"hour": 11, "minute": 31}
